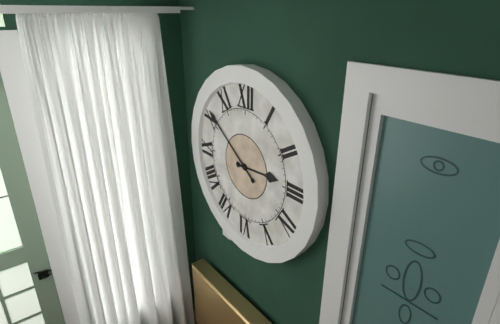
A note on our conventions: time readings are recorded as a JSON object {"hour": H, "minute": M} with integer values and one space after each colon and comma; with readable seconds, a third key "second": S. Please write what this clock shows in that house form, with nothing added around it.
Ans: {"hour": 2, "minute": 51}
